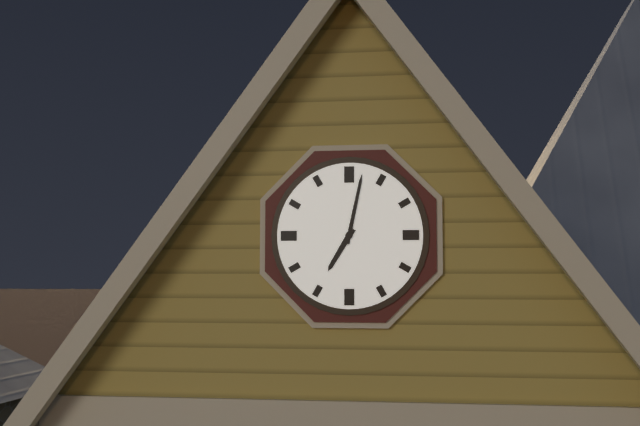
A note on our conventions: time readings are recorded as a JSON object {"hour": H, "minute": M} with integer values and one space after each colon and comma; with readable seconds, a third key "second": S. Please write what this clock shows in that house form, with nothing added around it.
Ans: {"hour": 7, "minute": 2}
